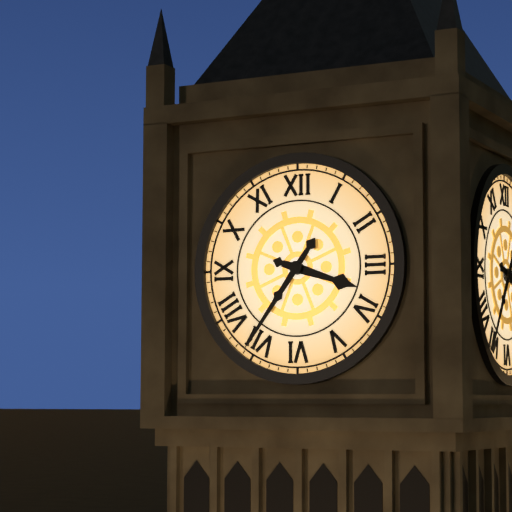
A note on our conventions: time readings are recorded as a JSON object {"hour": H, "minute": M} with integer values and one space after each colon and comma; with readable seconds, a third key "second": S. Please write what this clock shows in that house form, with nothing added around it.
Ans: {"hour": 3, "minute": 36}
